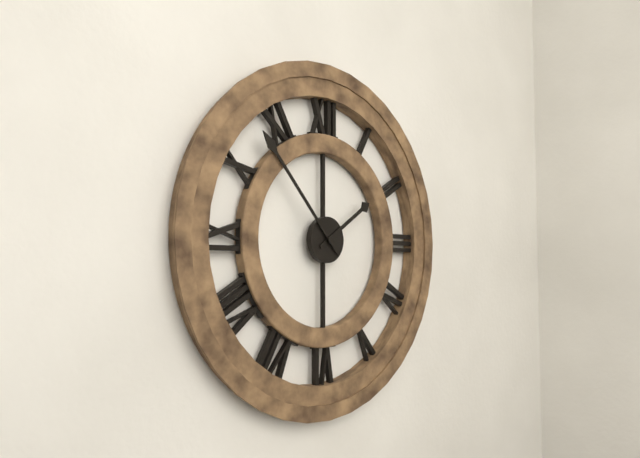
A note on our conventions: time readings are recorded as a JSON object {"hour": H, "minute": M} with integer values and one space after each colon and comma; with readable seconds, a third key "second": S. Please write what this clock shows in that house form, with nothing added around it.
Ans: {"hour": 1, "minute": 53}
